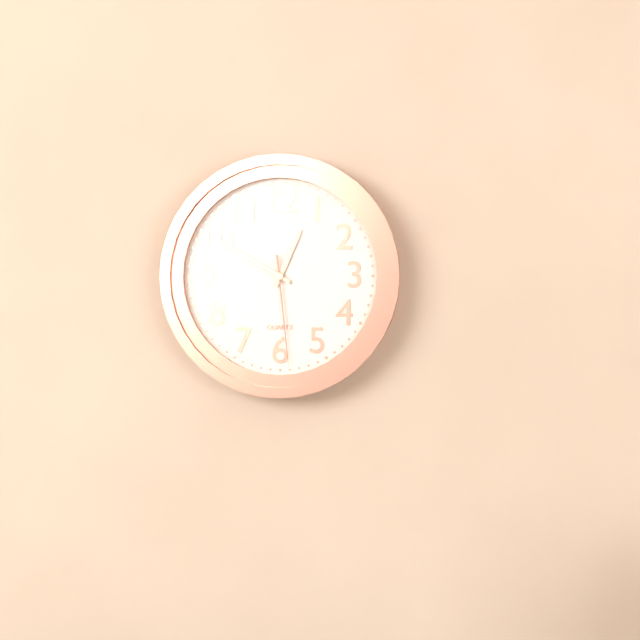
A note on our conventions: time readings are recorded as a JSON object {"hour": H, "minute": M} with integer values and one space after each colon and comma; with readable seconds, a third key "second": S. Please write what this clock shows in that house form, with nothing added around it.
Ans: {"hour": 12, "minute": 50, "second": 29}
